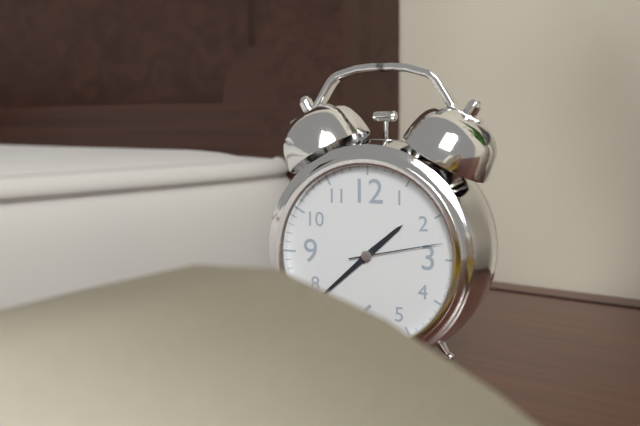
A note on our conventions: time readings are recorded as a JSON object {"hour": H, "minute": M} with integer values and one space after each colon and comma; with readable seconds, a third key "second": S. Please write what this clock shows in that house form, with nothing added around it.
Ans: {"hour": 1, "minute": 38, "second": 13}
